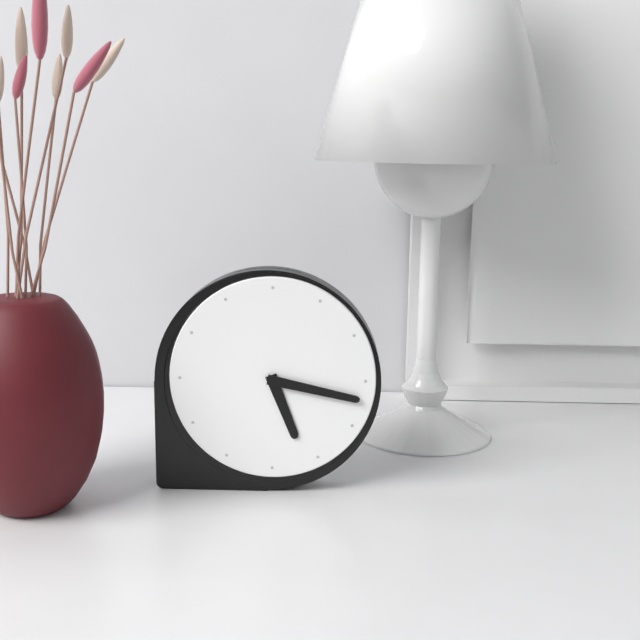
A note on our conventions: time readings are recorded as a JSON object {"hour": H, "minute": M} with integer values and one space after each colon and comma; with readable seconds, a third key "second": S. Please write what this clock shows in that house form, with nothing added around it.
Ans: {"hour": 5, "minute": 17}
